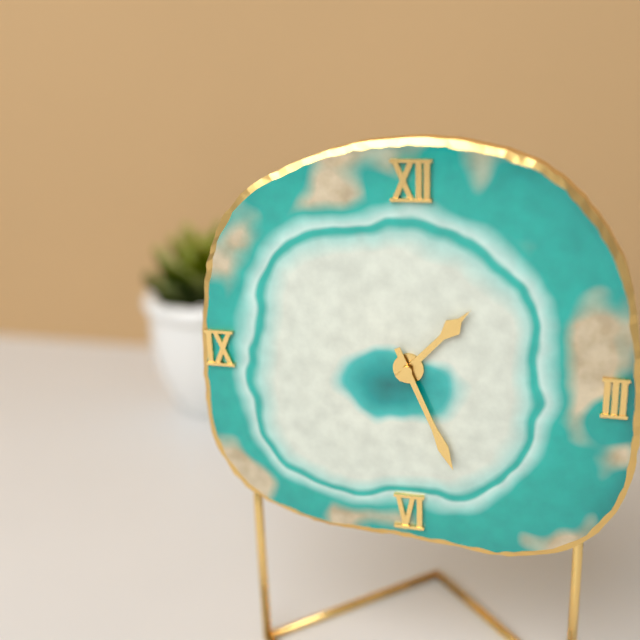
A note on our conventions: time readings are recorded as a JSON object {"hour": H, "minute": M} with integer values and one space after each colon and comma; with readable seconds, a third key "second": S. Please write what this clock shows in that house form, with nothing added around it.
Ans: {"hour": 1, "minute": 26}
